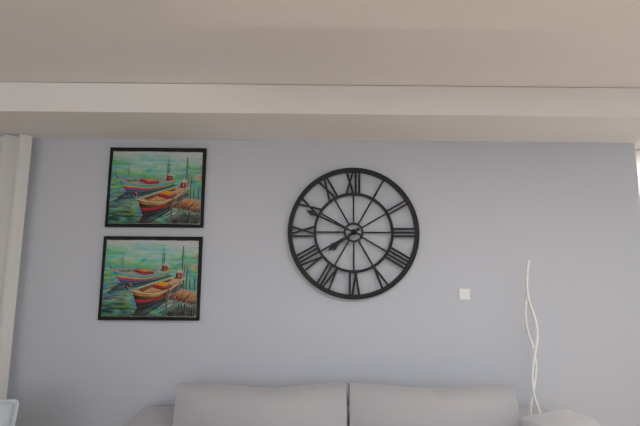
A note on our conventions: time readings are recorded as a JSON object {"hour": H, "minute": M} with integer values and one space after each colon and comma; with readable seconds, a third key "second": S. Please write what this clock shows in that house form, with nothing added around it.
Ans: {"hour": 7, "minute": 49}
